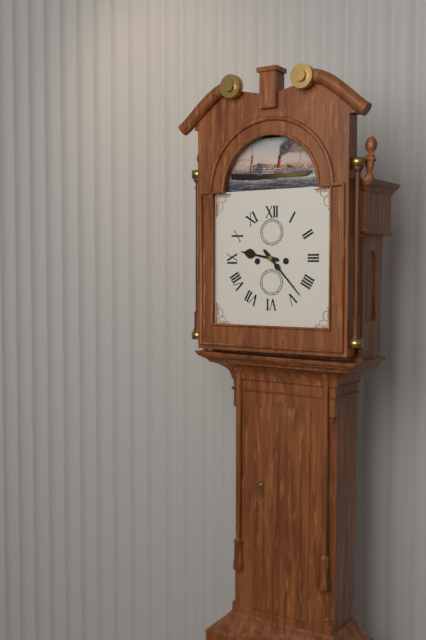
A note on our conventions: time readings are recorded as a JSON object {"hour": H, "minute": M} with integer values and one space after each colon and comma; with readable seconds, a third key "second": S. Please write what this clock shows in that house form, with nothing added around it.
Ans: {"hour": 9, "minute": 23}
